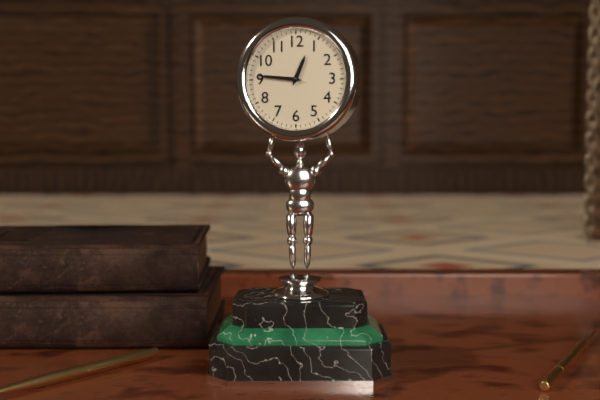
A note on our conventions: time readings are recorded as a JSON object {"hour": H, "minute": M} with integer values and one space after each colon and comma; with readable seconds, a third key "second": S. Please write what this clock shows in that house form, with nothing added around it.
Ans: {"hour": 12, "minute": 46}
